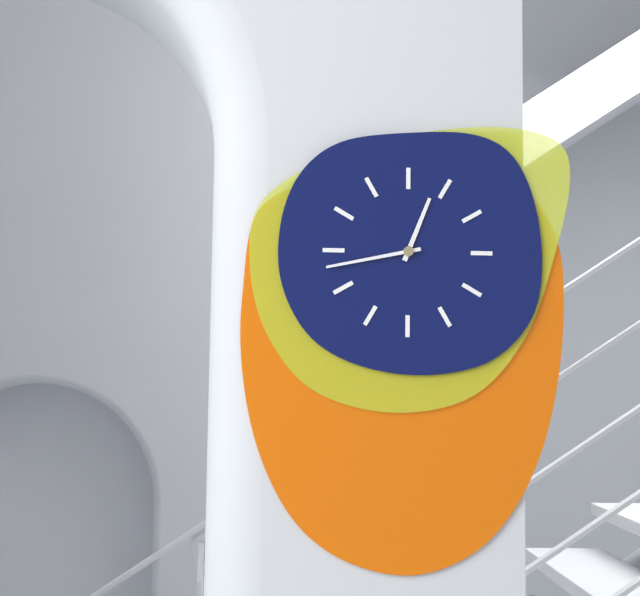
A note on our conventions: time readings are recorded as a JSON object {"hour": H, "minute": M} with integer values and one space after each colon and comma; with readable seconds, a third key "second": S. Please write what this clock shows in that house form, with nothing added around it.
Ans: {"hour": 12, "minute": 43}
